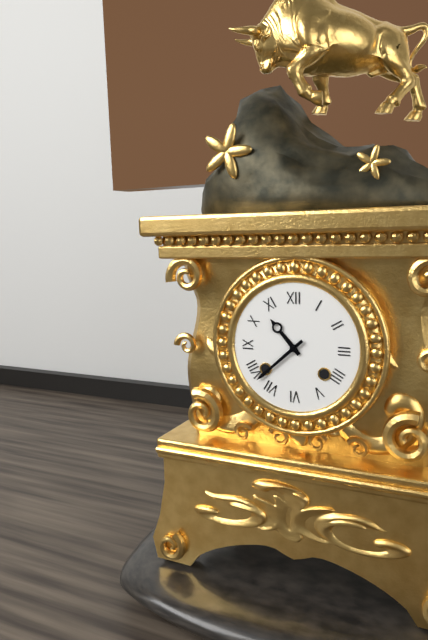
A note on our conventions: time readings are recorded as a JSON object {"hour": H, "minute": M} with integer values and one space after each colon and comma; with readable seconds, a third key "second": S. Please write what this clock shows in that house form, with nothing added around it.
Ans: {"hour": 10, "minute": 38}
